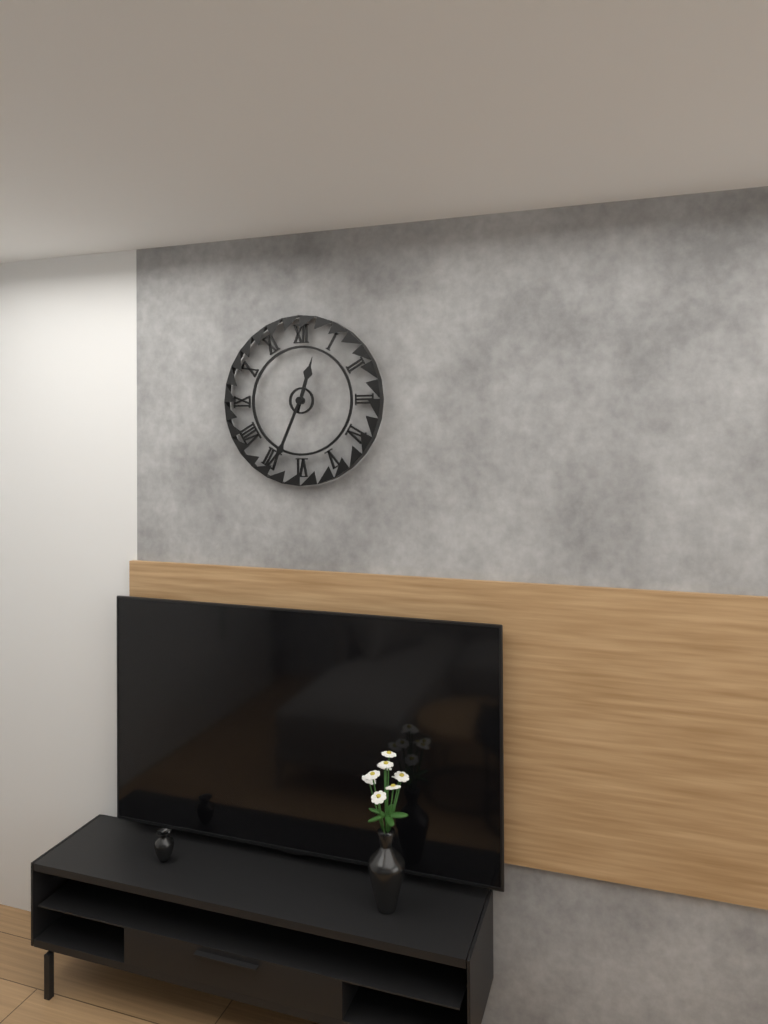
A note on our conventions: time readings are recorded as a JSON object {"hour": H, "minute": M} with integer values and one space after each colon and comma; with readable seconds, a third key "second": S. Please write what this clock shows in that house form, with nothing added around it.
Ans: {"hour": 12, "minute": 34}
